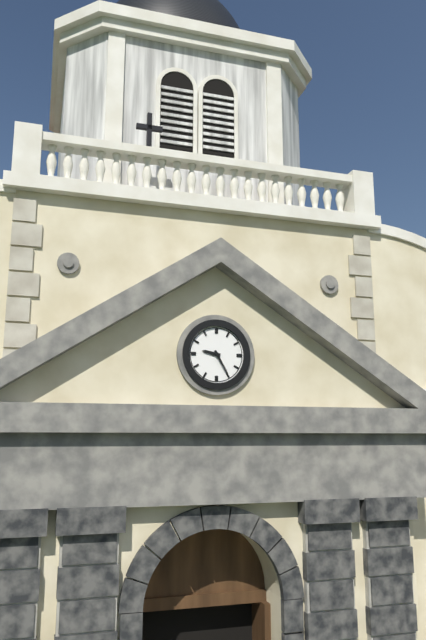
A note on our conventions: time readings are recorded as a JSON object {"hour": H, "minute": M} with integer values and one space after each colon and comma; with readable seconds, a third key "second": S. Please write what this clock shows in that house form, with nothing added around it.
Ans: {"hour": 9, "minute": 25}
